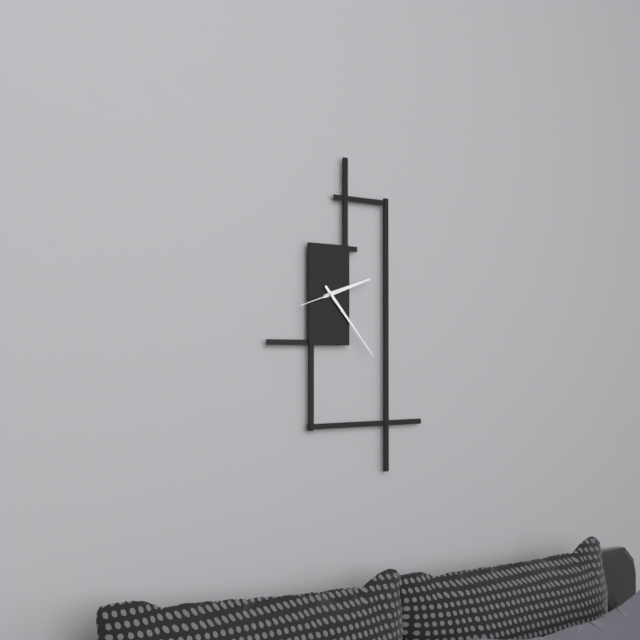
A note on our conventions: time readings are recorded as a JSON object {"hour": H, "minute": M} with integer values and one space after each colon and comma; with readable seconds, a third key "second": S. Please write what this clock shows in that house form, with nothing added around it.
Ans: {"hour": 2, "minute": 23}
